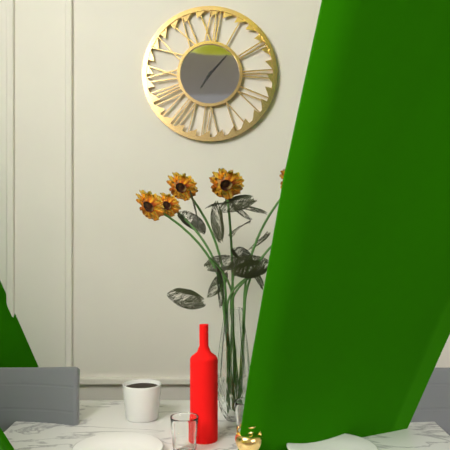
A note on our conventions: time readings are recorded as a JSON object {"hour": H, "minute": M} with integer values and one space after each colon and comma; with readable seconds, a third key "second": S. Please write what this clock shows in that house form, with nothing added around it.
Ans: {"hour": 7, "minute": 7}
